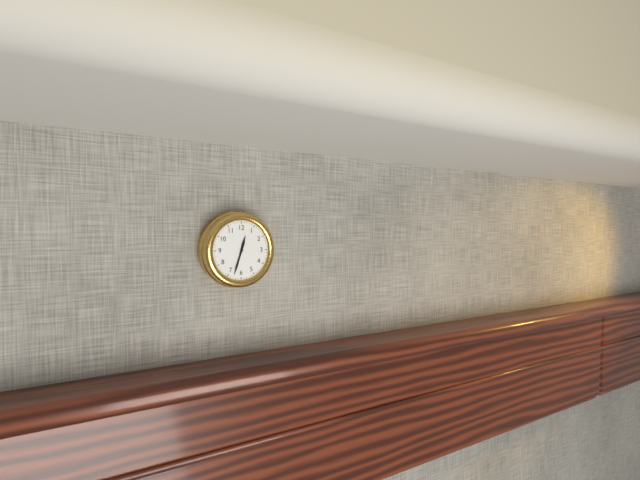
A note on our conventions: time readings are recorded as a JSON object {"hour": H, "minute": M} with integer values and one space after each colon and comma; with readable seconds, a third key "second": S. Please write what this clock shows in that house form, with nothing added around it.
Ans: {"hour": 12, "minute": 33}
